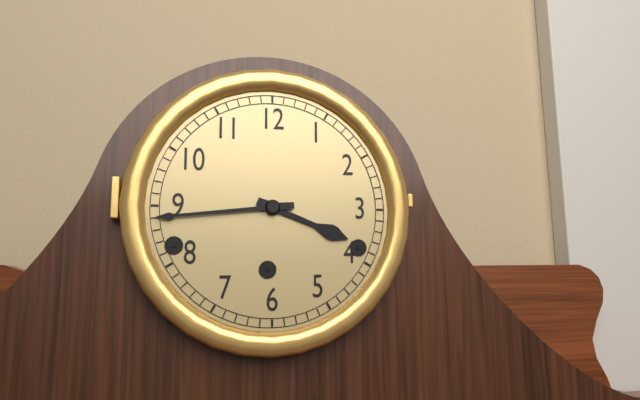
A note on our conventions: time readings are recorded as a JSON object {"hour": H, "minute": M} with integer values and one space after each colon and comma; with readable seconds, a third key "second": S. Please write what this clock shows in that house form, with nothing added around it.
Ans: {"hour": 3, "minute": 44}
